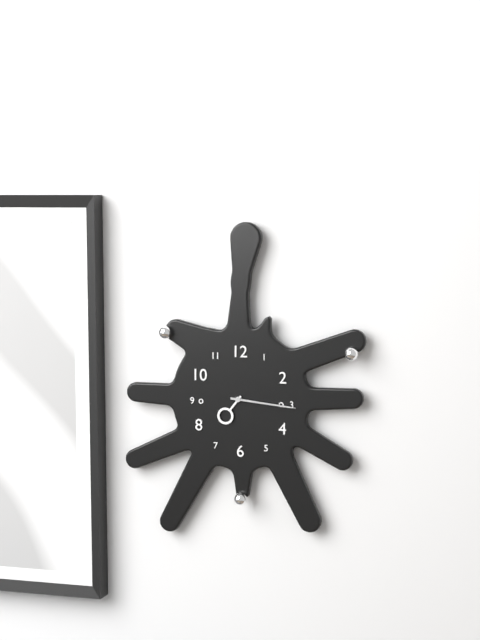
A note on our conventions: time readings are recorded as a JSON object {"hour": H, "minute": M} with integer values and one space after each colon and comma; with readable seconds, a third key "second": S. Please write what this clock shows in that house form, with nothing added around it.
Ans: {"hour": 7, "minute": 16}
